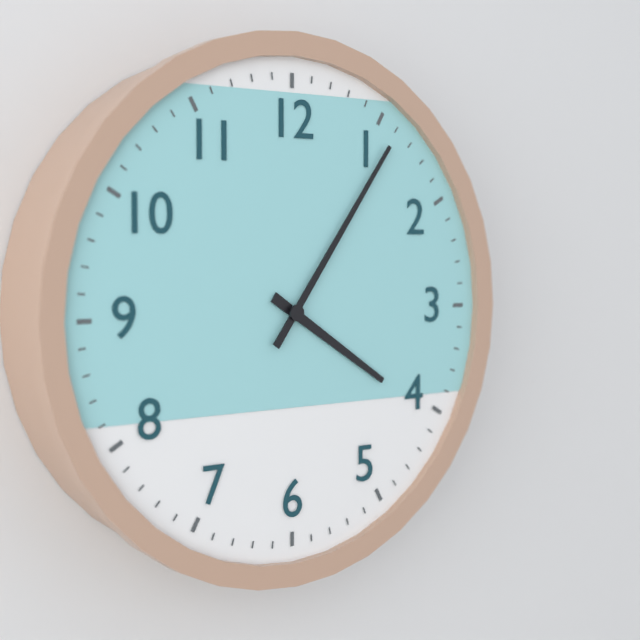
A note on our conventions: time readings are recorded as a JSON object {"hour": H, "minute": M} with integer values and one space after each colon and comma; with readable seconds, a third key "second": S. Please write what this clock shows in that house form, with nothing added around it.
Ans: {"hour": 4, "minute": 6}
